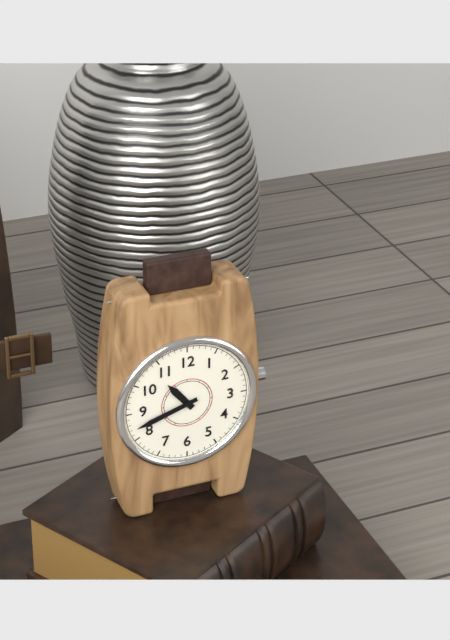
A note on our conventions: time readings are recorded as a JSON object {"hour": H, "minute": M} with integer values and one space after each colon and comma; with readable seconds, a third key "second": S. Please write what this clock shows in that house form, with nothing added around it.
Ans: {"hour": 10, "minute": 42}
